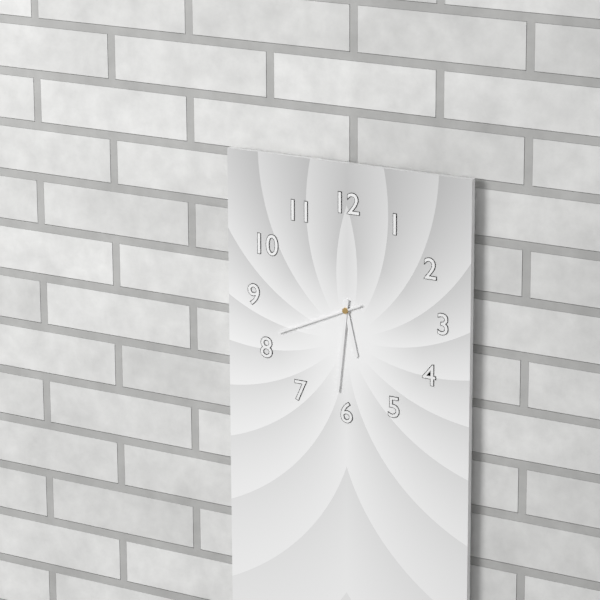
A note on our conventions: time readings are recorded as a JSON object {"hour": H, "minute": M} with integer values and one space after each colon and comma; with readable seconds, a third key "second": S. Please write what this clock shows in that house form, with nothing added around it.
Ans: {"hour": 5, "minute": 31, "second": 41}
